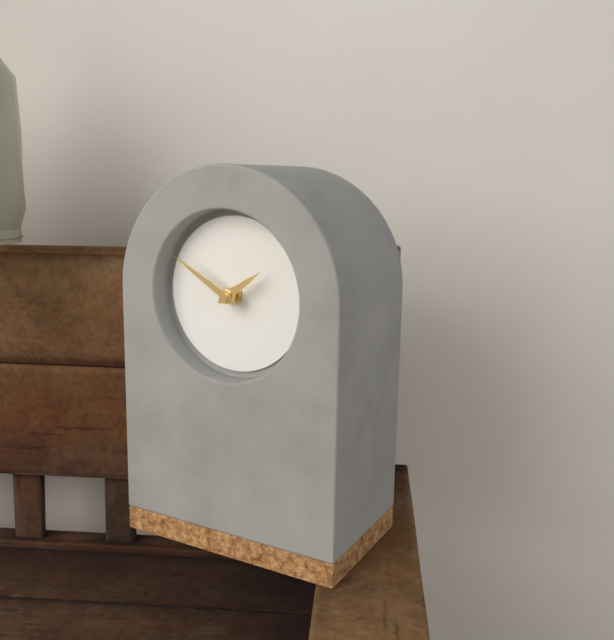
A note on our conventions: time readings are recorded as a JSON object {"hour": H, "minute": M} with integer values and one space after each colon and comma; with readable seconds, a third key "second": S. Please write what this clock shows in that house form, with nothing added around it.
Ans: {"hour": 1, "minute": 50}
